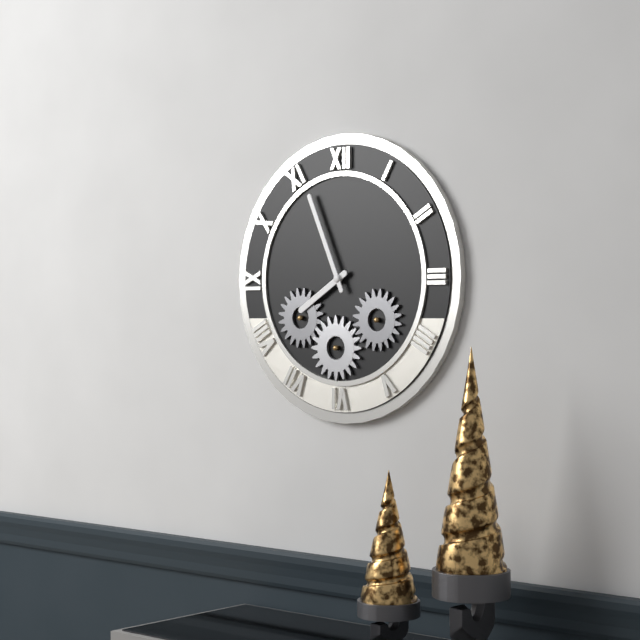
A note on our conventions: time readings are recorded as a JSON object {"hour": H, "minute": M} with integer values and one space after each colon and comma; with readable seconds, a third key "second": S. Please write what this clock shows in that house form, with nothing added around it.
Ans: {"hour": 7, "minute": 56}
